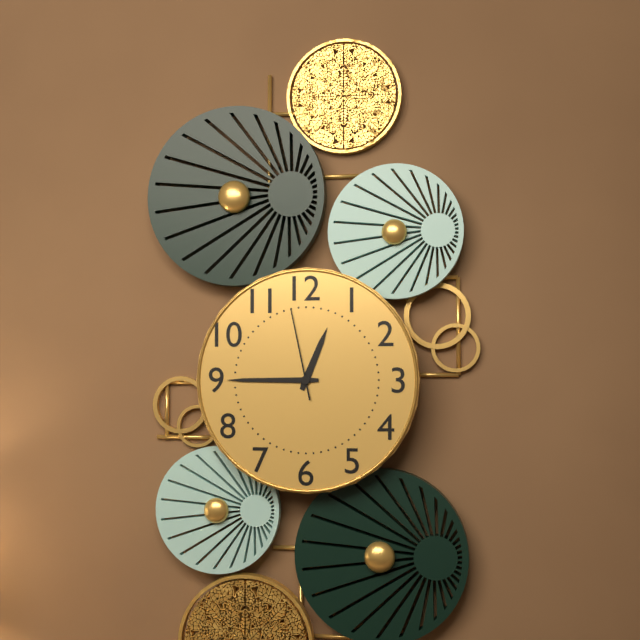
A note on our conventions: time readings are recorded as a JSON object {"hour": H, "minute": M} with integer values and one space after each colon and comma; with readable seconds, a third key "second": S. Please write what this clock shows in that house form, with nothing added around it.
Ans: {"hour": 12, "minute": 45, "second": 58}
